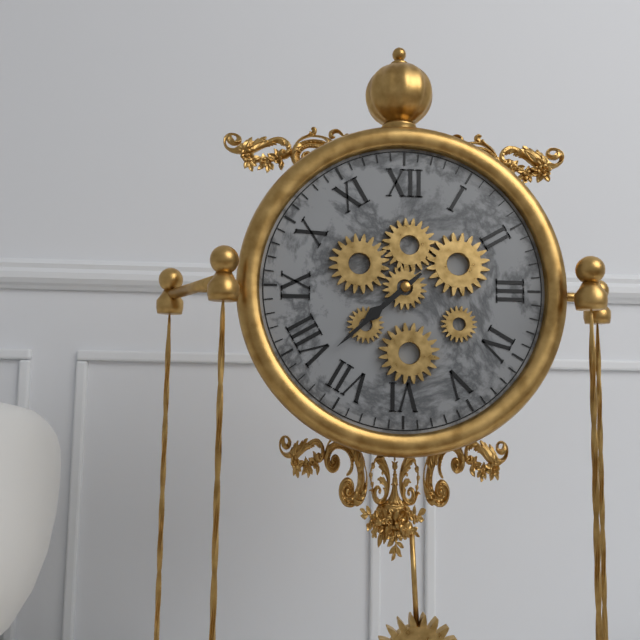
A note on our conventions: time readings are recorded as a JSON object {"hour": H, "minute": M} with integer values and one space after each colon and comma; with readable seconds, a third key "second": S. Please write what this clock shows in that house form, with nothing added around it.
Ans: {"hour": 7, "minute": 38}
